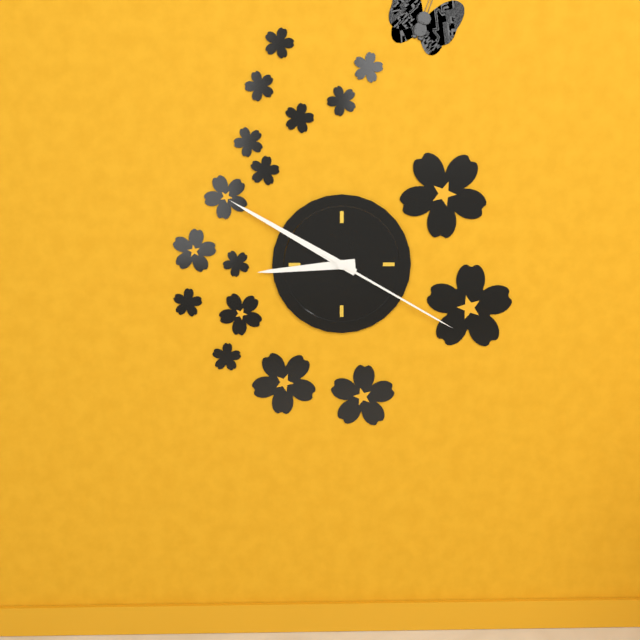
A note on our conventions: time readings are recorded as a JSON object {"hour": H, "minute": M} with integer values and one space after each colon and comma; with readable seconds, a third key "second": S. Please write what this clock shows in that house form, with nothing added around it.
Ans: {"hour": 8, "minute": 50, "second": 20}
